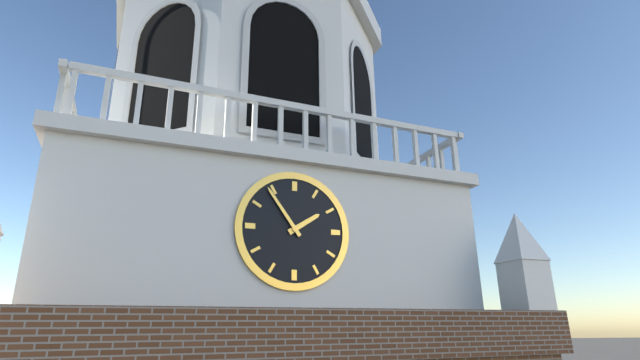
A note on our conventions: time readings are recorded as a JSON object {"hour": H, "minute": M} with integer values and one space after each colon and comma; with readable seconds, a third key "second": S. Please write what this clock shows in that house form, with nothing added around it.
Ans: {"hour": 1, "minute": 54}
